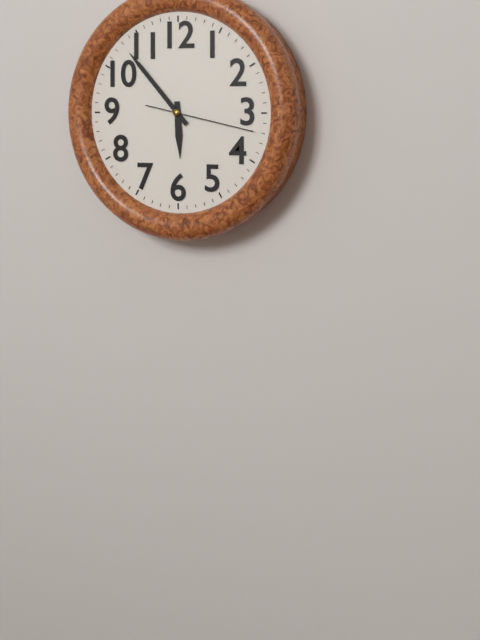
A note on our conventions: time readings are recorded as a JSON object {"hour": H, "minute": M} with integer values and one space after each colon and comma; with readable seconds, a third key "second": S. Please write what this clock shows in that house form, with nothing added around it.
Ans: {"hour": 5, "minute": 53, "second": 17}
